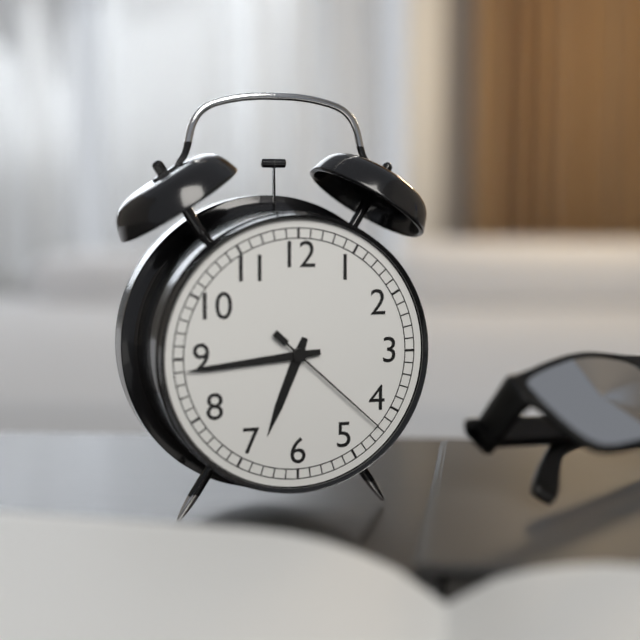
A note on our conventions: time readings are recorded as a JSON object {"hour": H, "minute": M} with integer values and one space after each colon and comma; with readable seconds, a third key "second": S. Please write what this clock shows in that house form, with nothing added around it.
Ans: {"hour": 6, "minute": 44, "second": 22}
